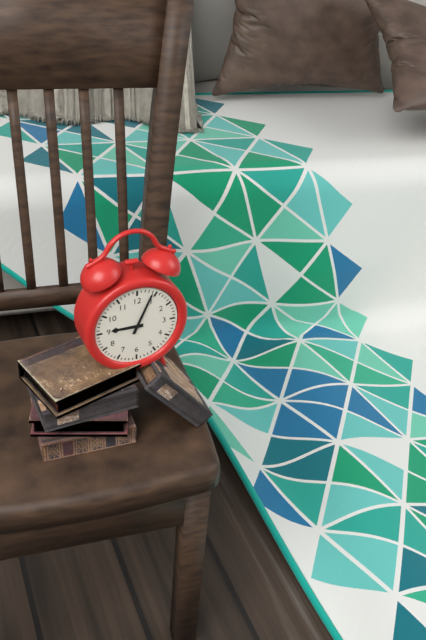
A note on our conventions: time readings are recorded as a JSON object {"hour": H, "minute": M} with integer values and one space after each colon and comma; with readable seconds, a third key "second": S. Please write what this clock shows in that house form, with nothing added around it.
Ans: {"hour": 9, "minute": 4}
